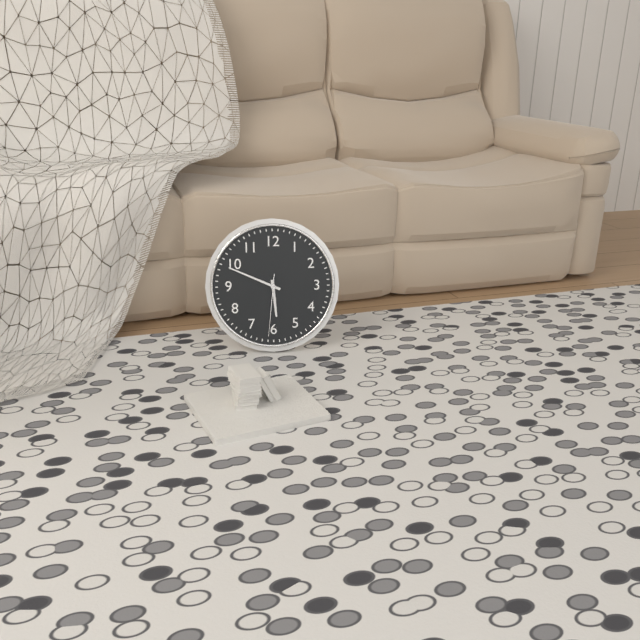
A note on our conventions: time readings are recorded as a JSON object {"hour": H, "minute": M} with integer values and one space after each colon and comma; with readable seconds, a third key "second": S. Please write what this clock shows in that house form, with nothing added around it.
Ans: {"hour": 5, "minute": 49, "second": 31}
